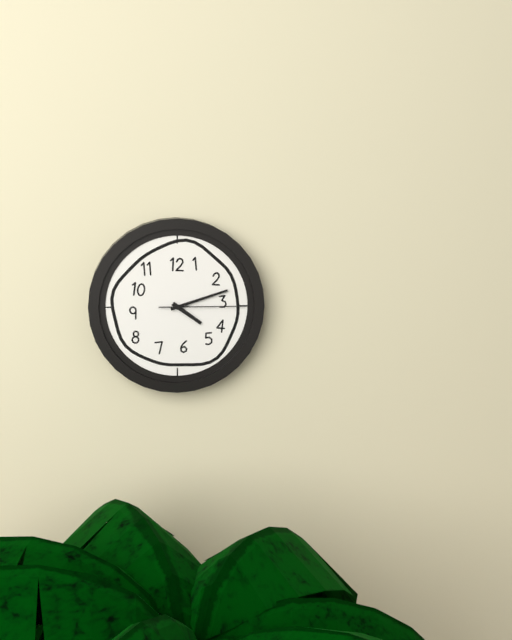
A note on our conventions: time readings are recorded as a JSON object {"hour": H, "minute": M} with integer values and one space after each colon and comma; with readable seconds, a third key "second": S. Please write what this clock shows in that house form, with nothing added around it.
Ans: {"hour": 4, "minute": 12, "second": 15}
